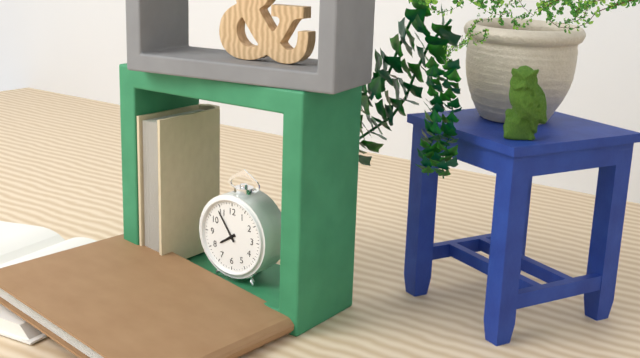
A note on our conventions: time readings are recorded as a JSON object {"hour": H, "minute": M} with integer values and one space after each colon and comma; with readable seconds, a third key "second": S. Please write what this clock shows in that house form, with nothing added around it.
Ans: {"hour": 7, "minute": 54}
